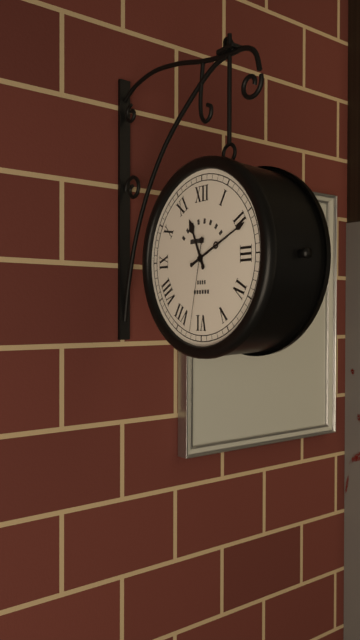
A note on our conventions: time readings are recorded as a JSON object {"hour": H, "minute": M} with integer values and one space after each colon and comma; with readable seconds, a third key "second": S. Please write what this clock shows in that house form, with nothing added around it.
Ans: {"hour": 11, "minute": 11, "second": 32}
